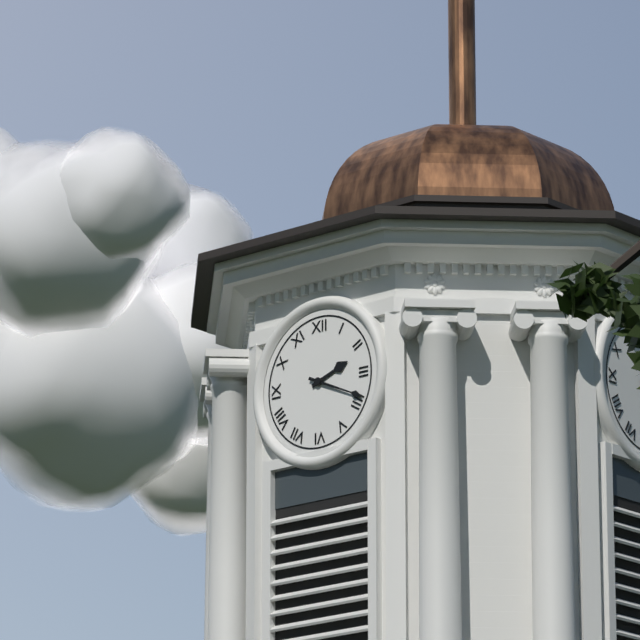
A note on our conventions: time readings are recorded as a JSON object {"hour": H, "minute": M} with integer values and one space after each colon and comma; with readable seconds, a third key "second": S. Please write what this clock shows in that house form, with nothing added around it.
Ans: {"hour": 2, "minute": 19}
